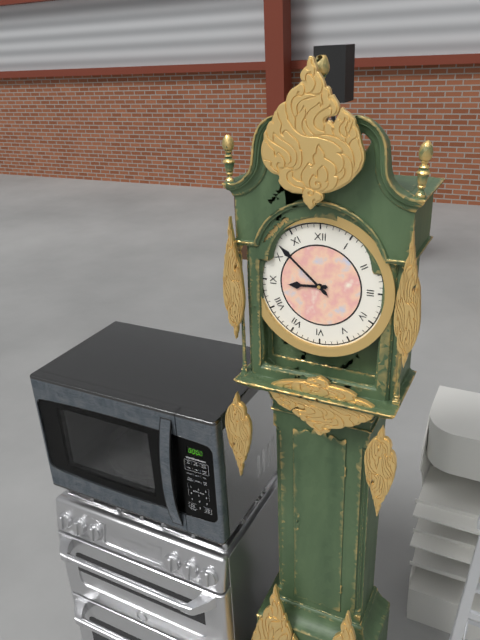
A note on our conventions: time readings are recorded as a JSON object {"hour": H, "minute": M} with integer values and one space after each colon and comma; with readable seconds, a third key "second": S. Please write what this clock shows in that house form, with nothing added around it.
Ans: {"hour": 8, "minute": 52}
